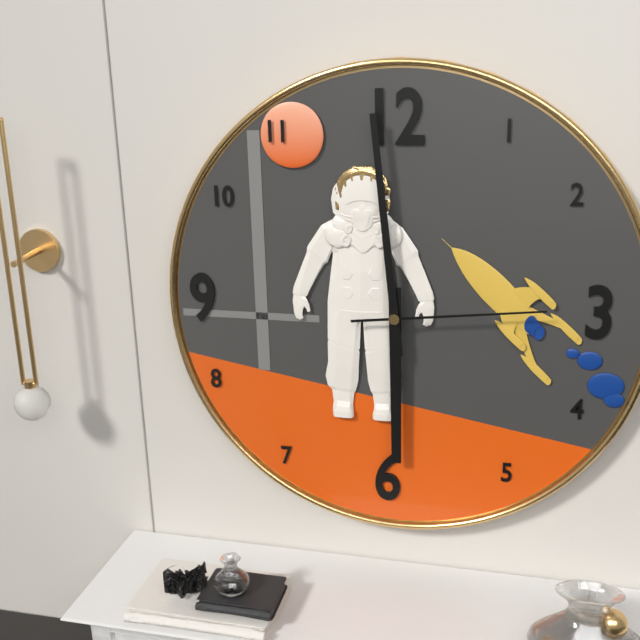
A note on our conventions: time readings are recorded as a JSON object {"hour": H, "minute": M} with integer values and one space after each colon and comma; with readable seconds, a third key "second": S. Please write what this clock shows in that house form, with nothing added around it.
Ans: {"hour": 5, "minute": 59, "second": 14}
